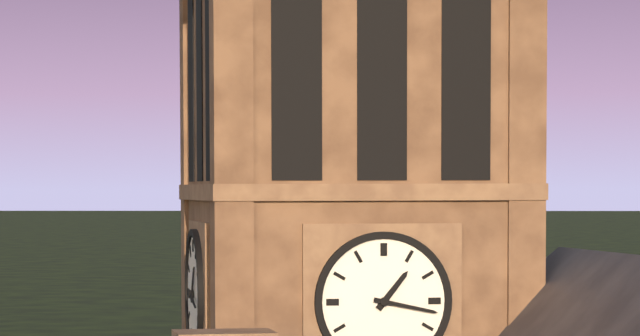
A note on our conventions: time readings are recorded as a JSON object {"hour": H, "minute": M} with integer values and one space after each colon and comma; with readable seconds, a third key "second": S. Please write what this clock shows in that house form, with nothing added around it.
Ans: {"hour": 1, "minute": 17}
